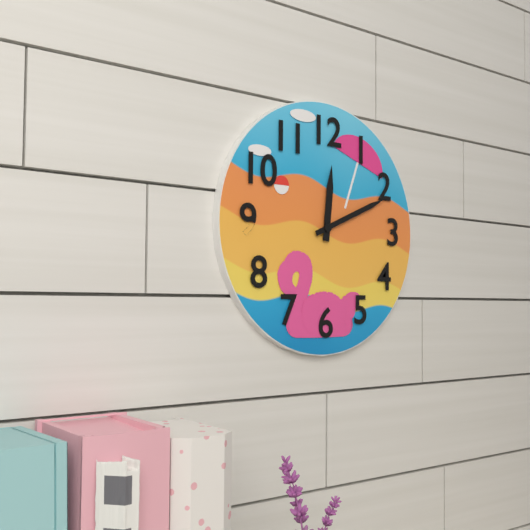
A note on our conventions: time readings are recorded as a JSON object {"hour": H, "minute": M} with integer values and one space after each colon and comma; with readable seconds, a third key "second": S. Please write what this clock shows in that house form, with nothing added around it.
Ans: {"hour": 12, "minute": 11}
